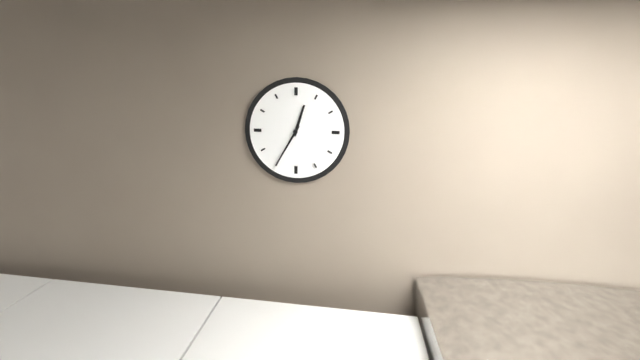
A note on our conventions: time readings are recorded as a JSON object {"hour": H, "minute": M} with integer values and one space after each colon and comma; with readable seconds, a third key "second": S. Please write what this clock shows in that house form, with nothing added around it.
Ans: {"hour": 12, "minute": 35}
